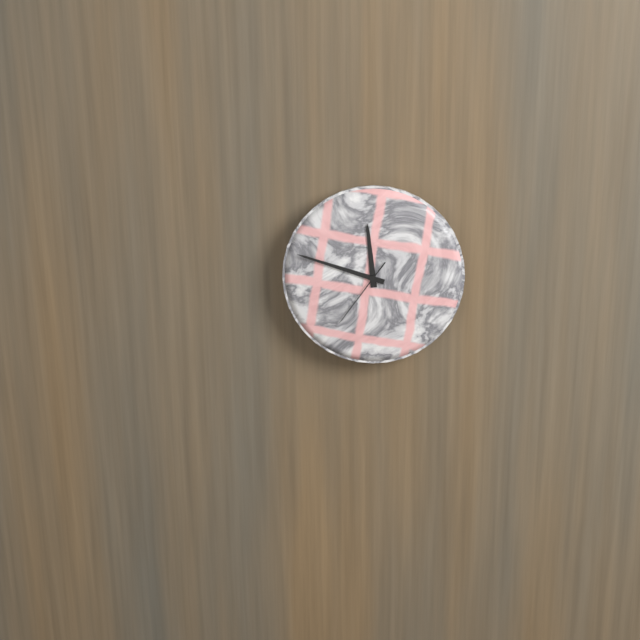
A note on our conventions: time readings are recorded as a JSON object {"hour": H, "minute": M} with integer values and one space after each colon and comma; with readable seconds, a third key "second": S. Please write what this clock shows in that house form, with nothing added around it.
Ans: {"hour": 11, "minute": 48, "second": 36}
